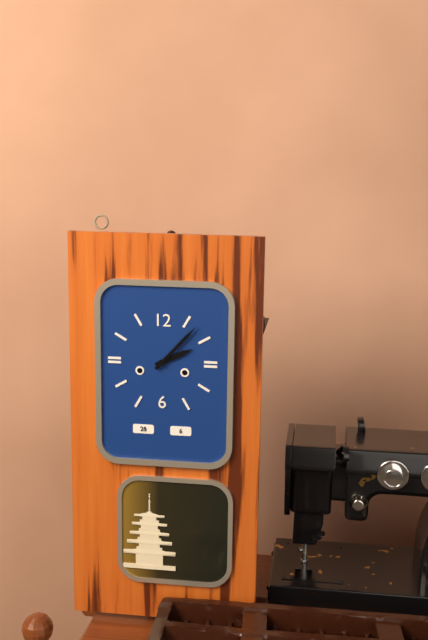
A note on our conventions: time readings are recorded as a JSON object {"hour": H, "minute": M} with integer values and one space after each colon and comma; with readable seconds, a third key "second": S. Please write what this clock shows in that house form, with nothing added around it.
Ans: {"hour": 2, "minute": 7}
